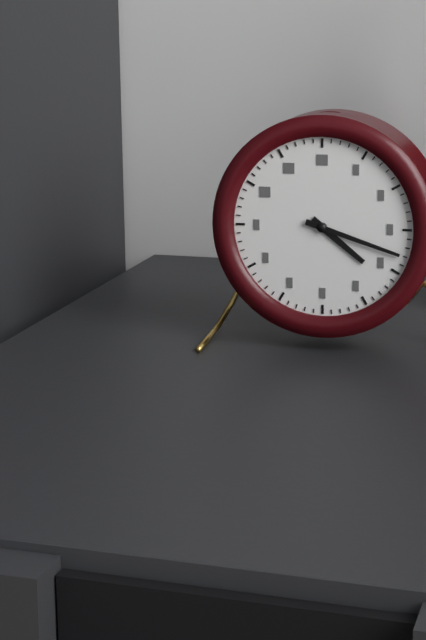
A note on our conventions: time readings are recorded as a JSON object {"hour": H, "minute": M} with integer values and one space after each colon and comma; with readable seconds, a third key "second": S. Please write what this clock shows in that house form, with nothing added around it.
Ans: {"hour": 4, "minute": 18}
